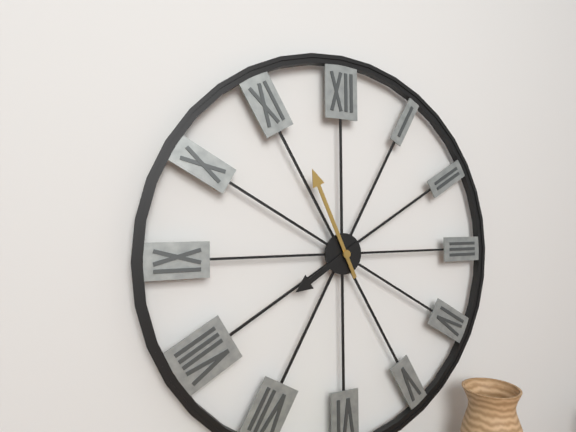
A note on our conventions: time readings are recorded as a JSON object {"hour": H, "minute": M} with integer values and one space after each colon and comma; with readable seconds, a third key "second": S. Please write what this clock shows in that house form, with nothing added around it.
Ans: {"hour": 7, "minute": 56}
